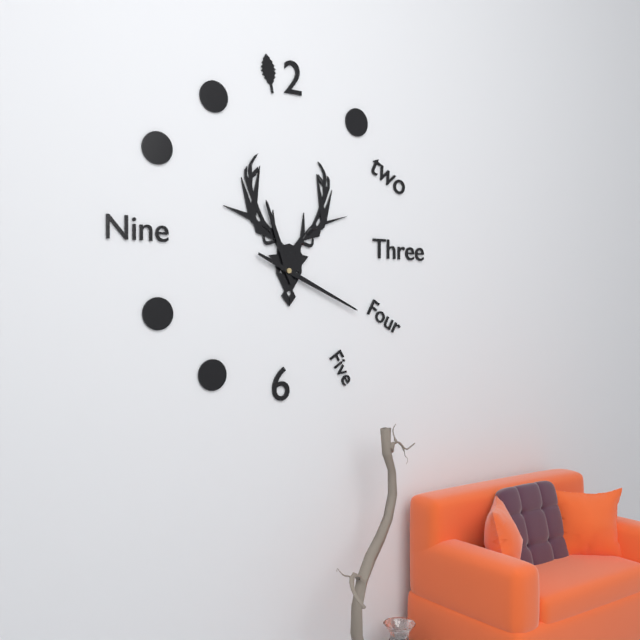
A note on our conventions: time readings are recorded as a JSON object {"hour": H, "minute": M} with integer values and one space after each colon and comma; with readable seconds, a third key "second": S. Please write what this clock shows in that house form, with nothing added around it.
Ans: {"hour": 11, "minute": 19}
